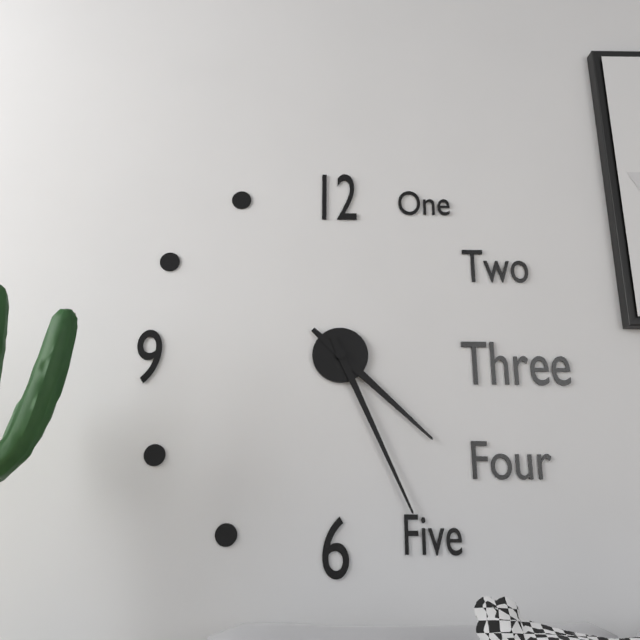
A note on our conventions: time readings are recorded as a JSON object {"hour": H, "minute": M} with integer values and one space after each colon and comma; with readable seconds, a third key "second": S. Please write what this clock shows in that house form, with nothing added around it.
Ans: {"hour": 4, "minute": 26}
